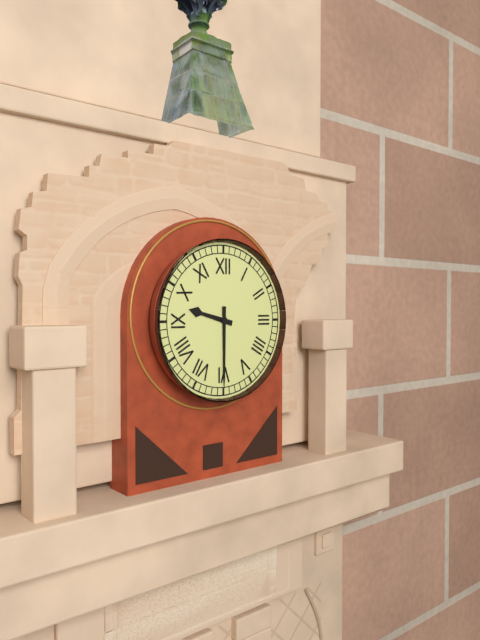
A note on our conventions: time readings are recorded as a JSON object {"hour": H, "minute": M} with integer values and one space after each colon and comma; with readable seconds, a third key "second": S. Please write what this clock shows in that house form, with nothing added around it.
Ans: {"hour": 9, "minute": 30}
